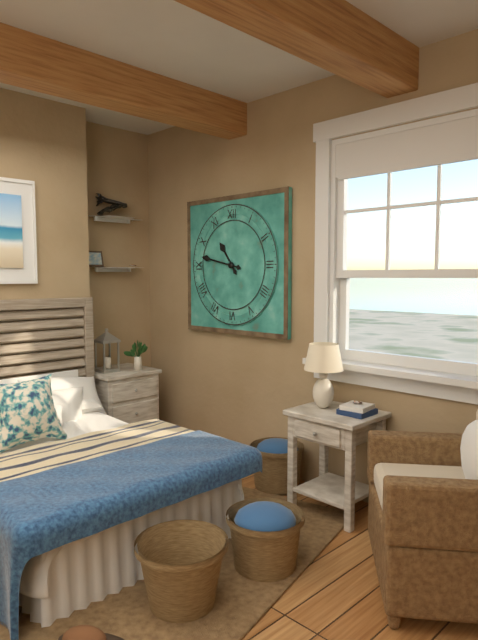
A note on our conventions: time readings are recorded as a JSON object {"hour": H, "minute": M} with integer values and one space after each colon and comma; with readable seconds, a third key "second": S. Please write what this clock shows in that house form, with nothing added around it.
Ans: {"hour": 10, "minute": 47}
